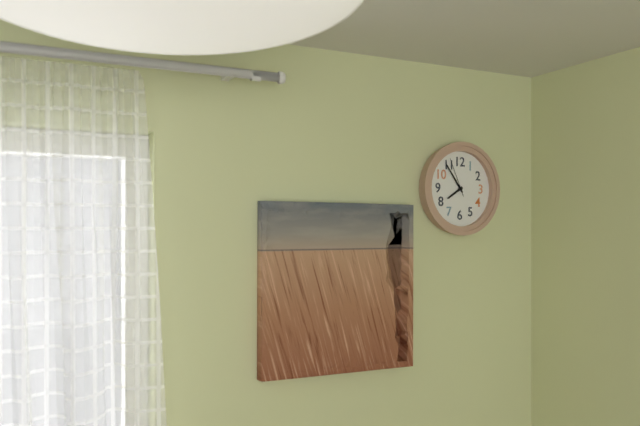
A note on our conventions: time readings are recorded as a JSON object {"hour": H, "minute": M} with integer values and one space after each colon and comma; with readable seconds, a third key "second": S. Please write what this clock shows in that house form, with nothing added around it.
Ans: {"hour": 7, "minute": 54}
